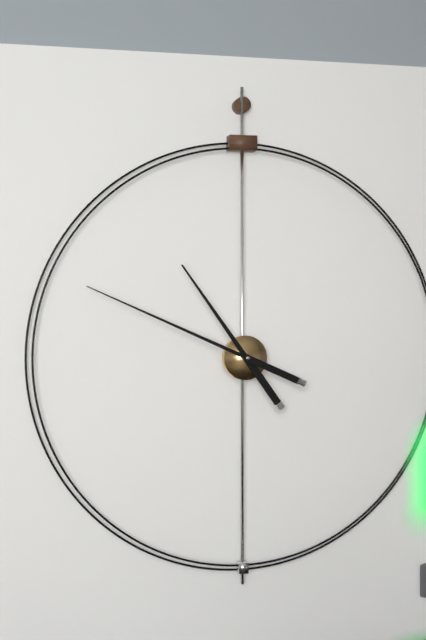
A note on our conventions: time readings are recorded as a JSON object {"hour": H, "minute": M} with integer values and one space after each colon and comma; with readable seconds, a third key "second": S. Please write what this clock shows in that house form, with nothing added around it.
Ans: {"hour": 10, "minute": 49}
